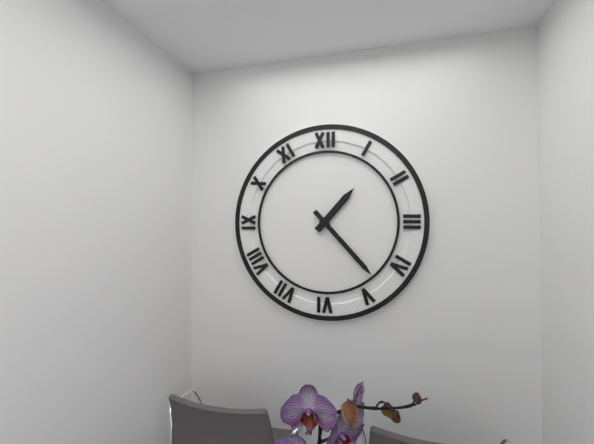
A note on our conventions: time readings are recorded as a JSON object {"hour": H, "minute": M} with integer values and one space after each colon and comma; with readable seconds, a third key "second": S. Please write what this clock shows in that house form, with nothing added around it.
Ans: {"hour": 1, "minute": 23}
